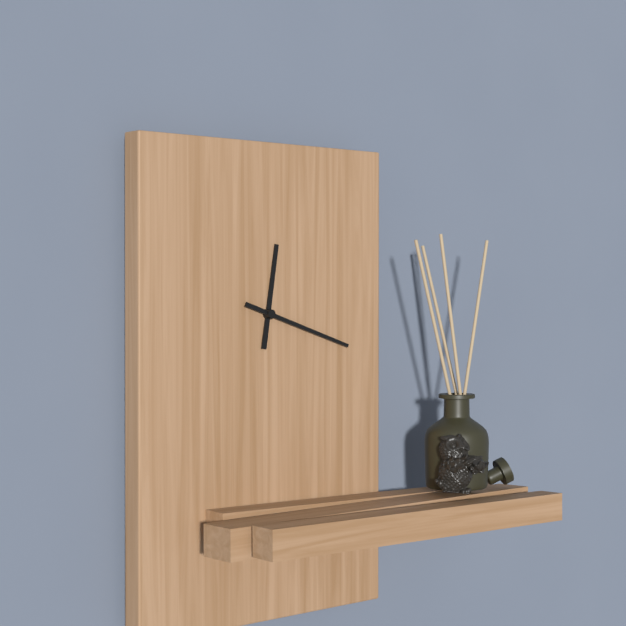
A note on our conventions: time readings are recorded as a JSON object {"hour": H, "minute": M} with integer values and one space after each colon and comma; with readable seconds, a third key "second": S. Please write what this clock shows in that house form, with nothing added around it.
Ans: {"hour": 12, "minute": 18}
